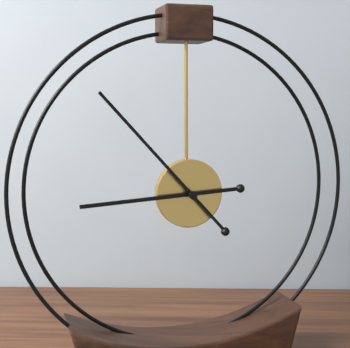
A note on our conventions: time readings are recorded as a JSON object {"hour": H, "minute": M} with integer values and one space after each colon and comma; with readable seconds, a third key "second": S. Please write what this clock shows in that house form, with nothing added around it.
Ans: {"hour": 8, "minute": 53}
